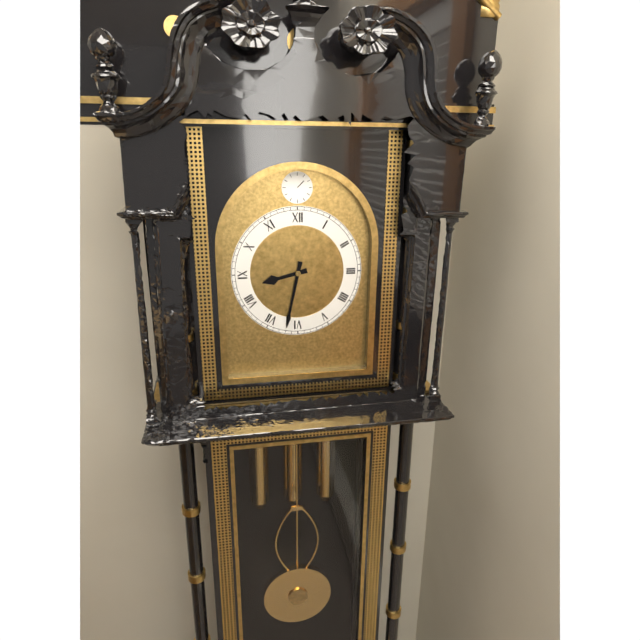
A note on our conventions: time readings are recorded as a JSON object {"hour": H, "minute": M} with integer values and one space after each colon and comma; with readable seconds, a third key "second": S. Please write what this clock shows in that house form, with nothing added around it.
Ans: {"hour": 8, "minute": 32}
